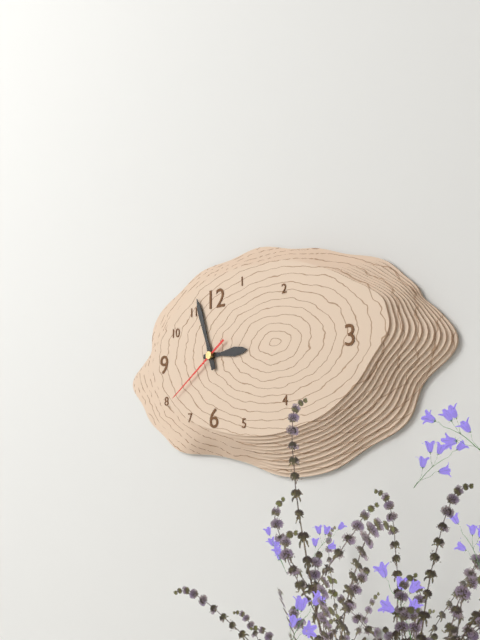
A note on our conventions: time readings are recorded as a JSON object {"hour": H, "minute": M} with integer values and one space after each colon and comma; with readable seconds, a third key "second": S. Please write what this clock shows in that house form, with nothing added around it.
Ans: {"hour": 2, "minute": 57, "second": 39}
